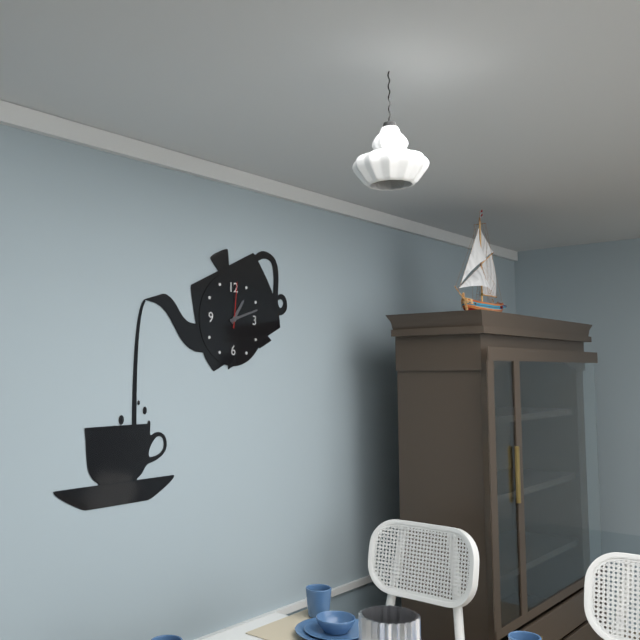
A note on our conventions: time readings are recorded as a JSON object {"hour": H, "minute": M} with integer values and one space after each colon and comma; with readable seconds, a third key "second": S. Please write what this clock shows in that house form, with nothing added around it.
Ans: {"hour": 1, "minute": 12}
